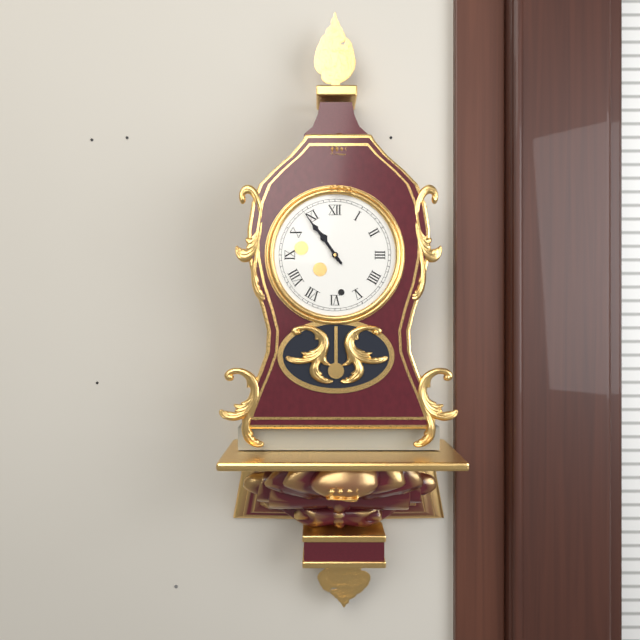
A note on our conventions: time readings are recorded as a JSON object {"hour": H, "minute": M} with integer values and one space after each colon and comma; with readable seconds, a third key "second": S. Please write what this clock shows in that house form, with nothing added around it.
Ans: {"hour": 10, "minute": 54}
